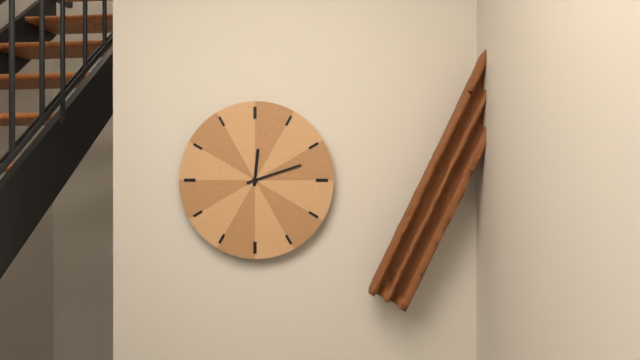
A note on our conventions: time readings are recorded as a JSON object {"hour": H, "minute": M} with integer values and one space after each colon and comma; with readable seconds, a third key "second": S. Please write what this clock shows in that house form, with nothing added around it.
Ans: {"hour": 12, "minute": 12}
